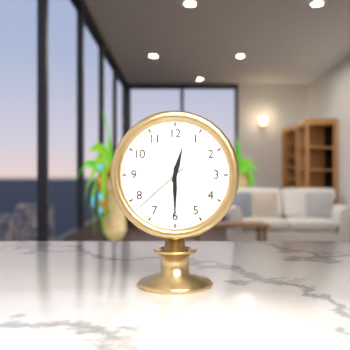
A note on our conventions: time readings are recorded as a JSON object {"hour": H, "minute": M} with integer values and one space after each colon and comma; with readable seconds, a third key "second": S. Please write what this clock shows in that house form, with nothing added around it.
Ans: {"hour": 12, "minute": 30, "second": 38}
